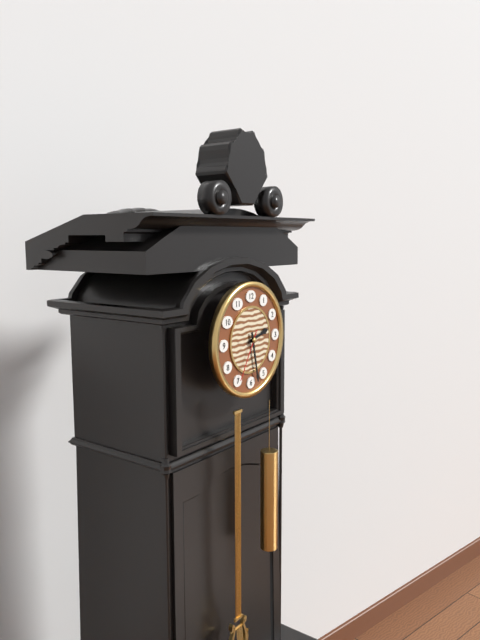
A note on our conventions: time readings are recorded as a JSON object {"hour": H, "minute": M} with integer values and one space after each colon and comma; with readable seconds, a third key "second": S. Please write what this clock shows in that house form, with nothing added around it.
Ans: {"hour": 2, "minute": 28, "second": 35}
